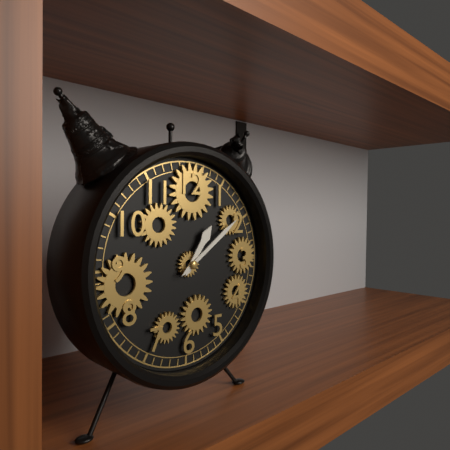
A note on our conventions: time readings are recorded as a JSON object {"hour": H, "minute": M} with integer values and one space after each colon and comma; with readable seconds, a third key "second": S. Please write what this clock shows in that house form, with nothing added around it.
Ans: {"hour": 1, "minute": 9}
